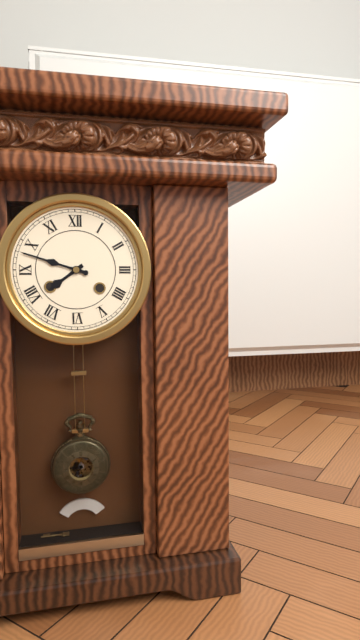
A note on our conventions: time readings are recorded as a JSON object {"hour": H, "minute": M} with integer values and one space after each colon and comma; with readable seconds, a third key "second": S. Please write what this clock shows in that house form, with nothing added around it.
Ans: {"hour": 7, "minute": 48}
